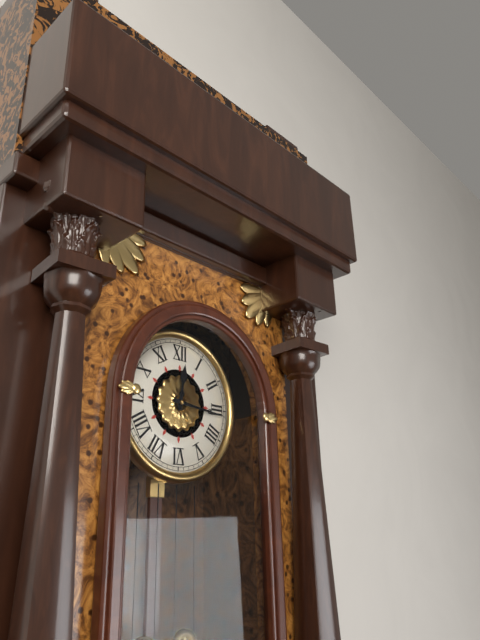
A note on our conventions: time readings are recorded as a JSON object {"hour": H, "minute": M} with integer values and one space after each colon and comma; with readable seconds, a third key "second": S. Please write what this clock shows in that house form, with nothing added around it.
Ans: {"hour": 12, "minute": 16}
